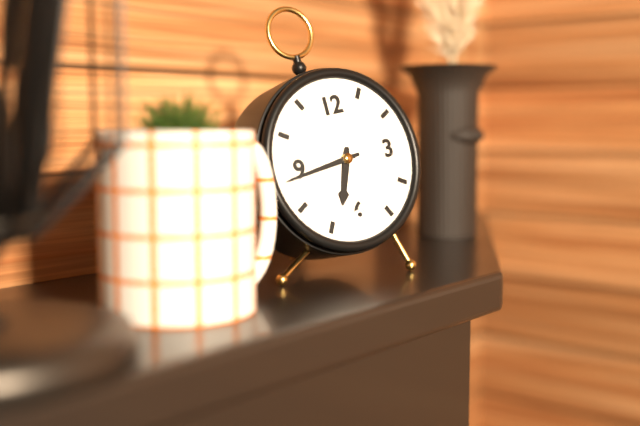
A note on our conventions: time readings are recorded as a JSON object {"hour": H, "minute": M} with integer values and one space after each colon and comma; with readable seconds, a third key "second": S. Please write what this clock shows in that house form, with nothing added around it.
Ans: {"hour": 6, "minute": 44}
